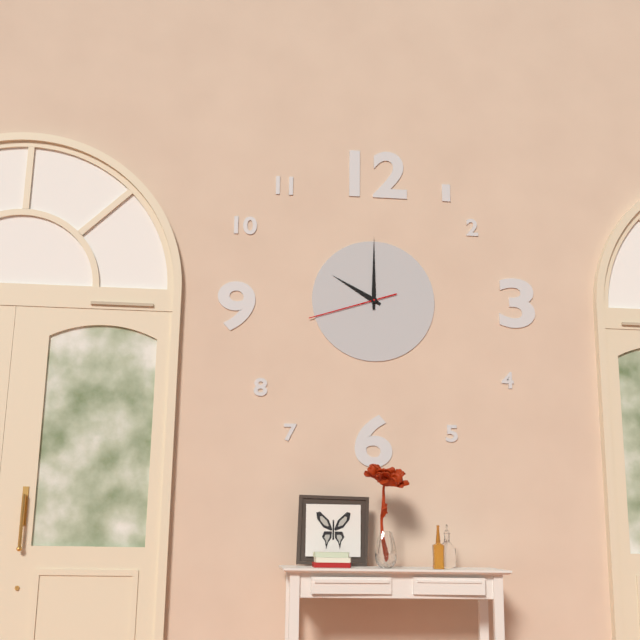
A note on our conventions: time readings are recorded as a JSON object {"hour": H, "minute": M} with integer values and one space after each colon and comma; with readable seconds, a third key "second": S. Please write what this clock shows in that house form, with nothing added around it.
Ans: {"hour": 10, "minute": 0, "second": 42}
